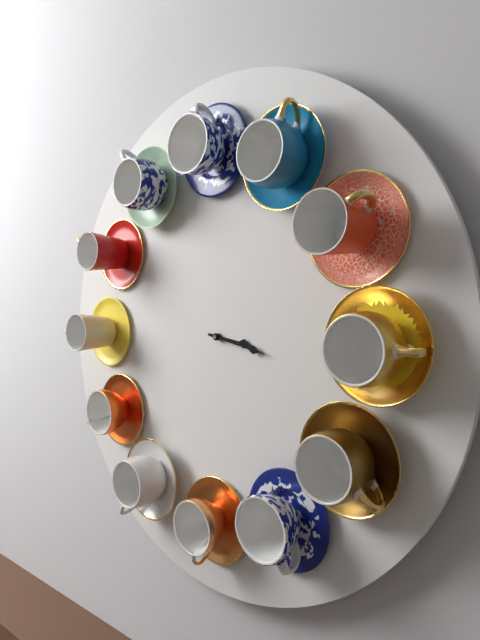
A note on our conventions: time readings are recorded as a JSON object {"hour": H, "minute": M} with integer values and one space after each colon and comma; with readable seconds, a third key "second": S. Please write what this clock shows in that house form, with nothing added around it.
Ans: {"hour": 3, "minute": 17}
